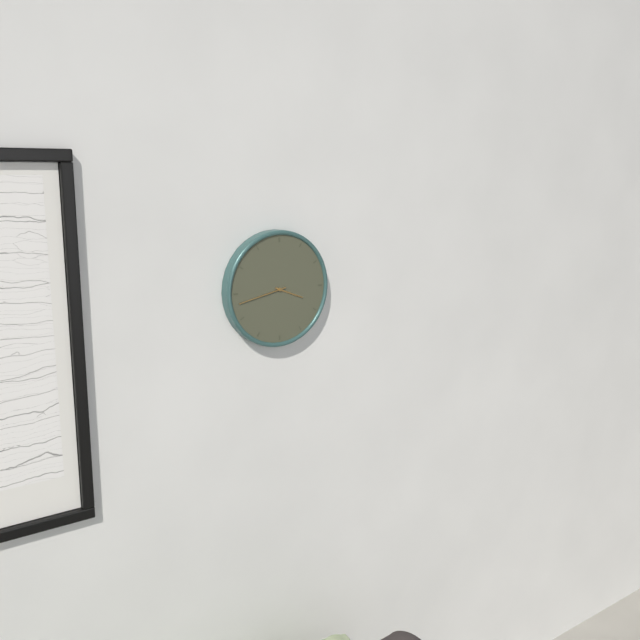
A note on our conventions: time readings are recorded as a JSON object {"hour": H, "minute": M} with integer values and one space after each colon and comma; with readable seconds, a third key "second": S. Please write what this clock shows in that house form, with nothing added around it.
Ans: {"hour": 3, "minute": 43}
